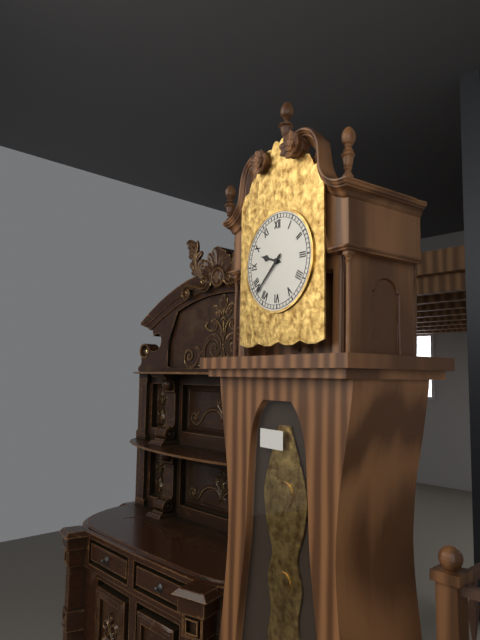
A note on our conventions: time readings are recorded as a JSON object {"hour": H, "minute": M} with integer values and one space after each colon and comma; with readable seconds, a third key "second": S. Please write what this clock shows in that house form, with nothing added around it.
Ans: {"hour": 9, "minute": 38}
